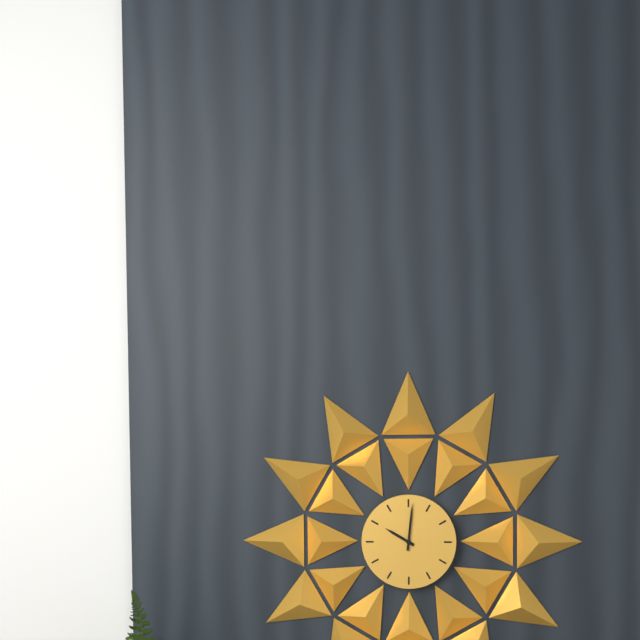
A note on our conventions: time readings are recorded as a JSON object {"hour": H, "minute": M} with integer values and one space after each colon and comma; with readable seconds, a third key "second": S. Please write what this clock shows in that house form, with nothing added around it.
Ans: {"hour": 10, "minute": 1}
